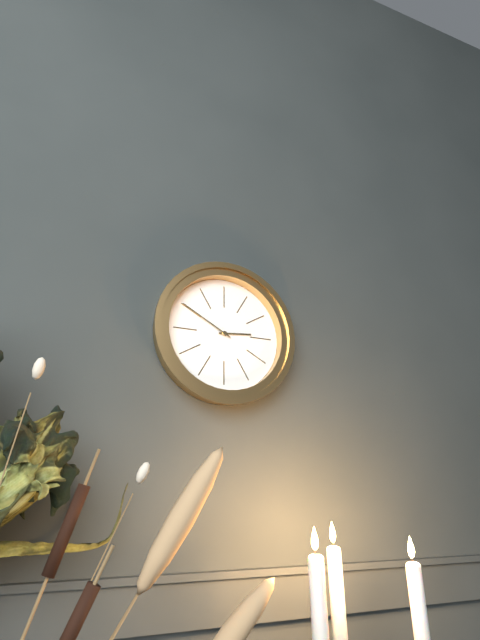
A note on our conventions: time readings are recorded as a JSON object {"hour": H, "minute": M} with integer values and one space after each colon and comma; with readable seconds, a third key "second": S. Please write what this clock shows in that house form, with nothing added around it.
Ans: {"hour": 2, "minute": 50}
